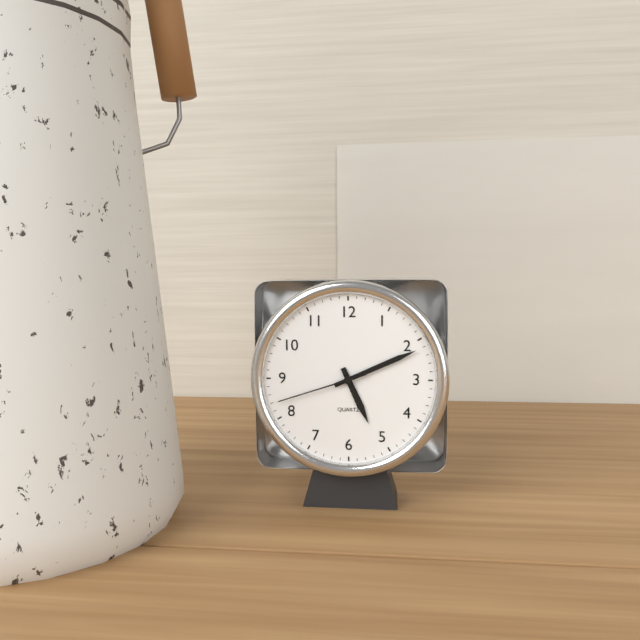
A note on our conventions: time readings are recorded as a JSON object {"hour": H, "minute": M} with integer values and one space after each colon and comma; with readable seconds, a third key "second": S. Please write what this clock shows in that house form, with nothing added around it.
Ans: {"hour": 5, "minute": 11, "second": 42}
